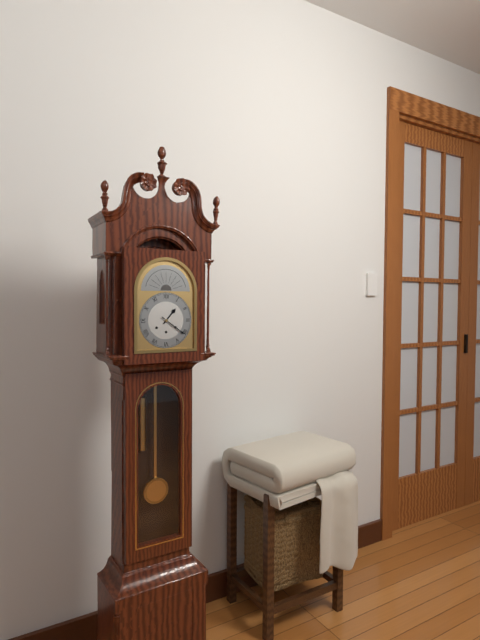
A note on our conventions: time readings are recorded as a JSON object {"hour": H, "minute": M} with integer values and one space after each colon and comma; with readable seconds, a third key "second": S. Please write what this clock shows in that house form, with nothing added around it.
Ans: {"hour": 1, "minute": 21}
